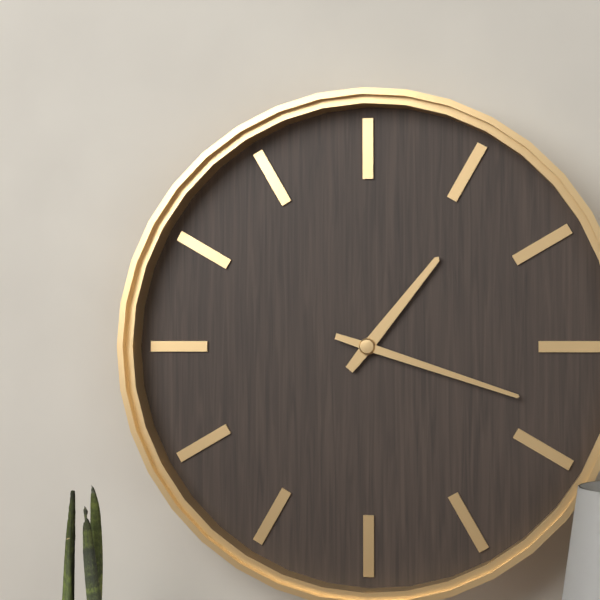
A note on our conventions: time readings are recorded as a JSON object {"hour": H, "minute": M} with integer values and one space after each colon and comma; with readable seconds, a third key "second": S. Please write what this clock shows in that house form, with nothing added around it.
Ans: {"hour": 1, "minute": 18}
